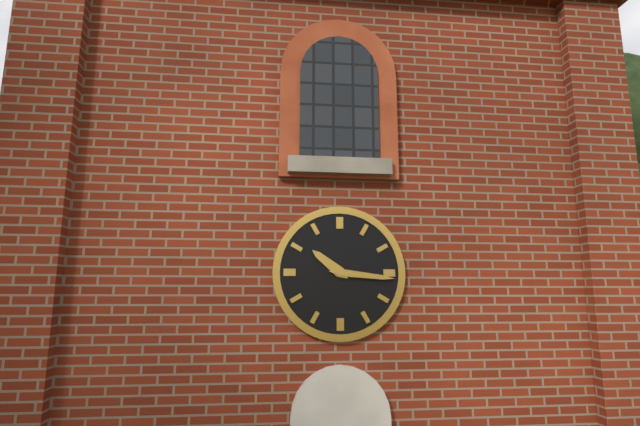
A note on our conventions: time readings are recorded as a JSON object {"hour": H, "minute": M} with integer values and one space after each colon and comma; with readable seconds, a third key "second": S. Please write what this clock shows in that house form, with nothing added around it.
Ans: {"hour": 10, "minute": 16}
